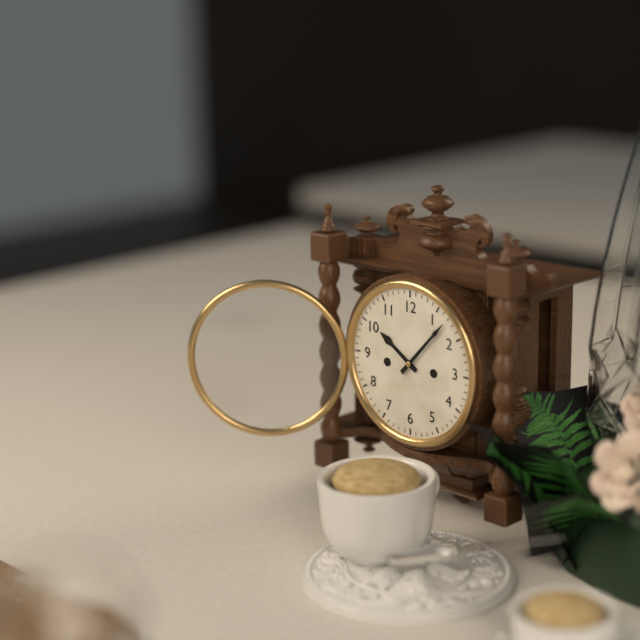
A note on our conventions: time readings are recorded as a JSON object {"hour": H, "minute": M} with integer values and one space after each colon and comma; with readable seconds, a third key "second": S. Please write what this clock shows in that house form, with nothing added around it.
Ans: {"hour": 10, "minute": 7}
